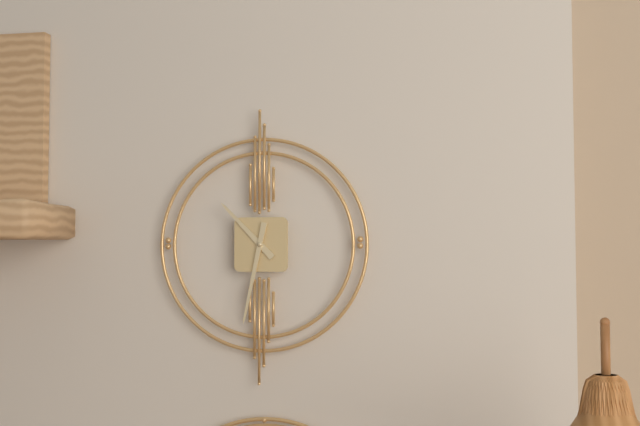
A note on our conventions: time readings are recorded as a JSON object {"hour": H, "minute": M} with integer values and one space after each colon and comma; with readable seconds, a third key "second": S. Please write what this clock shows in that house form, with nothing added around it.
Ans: {"hour": 10, "minute": 32}
